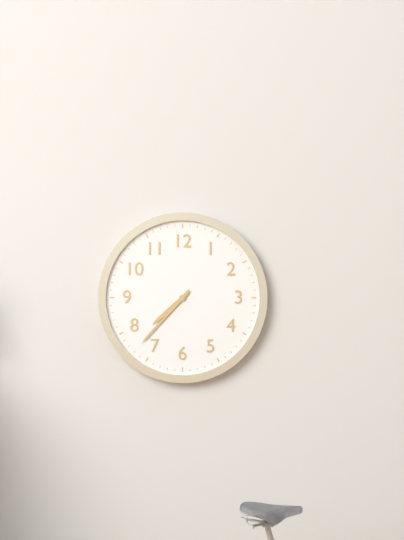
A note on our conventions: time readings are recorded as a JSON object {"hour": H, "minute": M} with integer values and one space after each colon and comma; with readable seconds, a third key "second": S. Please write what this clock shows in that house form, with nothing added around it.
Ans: {"hour": 7, "minute": 37}
